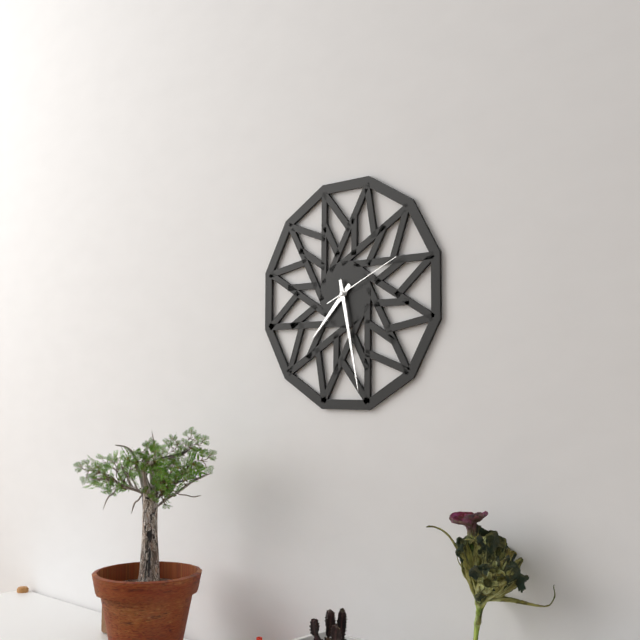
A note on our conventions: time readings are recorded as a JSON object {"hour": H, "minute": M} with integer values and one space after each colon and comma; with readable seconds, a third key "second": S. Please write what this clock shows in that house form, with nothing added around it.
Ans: {"hour": 7, "minute": 28, "second": 11}
